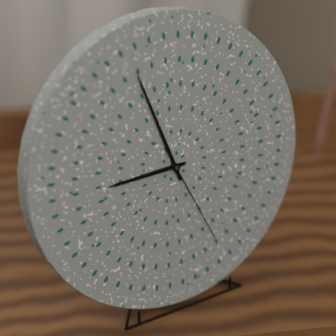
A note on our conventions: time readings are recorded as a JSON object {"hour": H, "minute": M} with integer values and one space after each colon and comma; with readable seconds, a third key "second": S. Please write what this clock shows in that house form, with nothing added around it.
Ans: {"hour": 8, "minute": 57, "second": 26}
